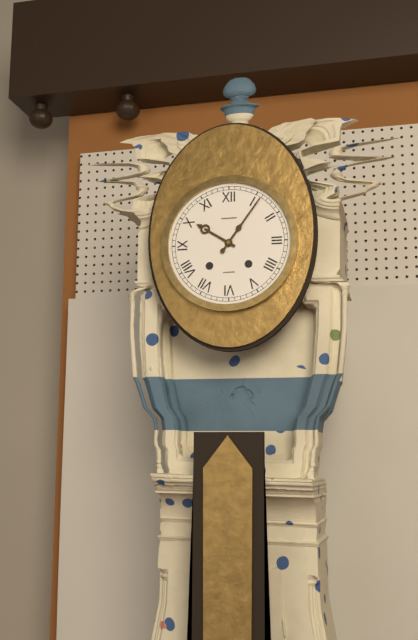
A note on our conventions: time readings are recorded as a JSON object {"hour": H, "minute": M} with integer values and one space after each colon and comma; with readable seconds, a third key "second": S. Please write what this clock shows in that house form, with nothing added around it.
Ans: {"hour": 10, "minute": 6}
